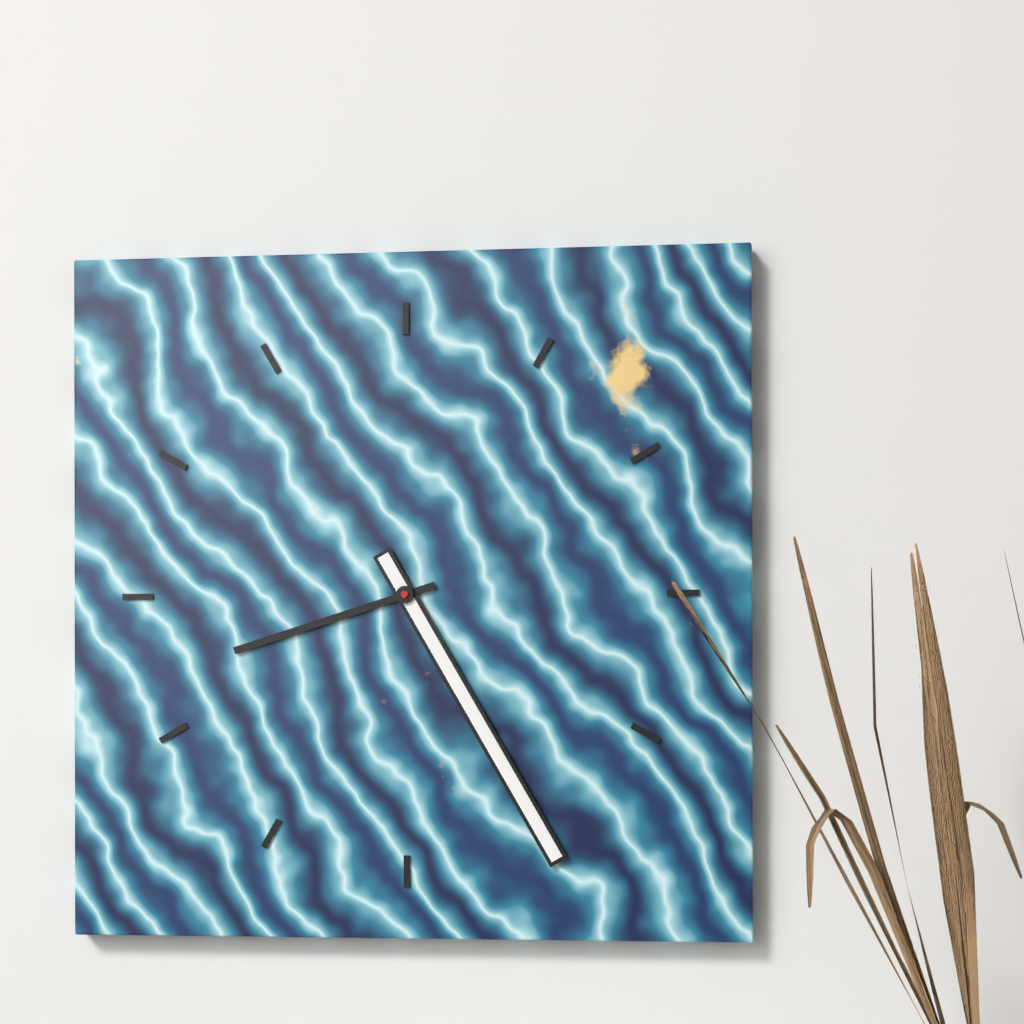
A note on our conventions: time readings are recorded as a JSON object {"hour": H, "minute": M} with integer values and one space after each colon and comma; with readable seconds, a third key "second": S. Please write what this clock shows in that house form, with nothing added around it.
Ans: {"hour": 8, "minute": 25}
